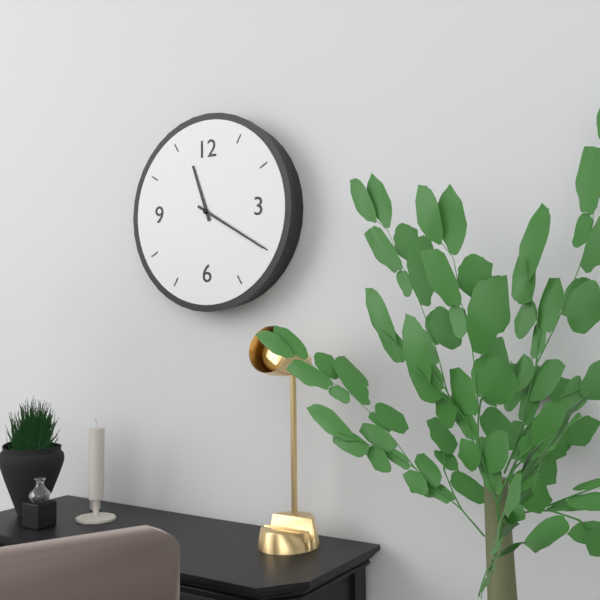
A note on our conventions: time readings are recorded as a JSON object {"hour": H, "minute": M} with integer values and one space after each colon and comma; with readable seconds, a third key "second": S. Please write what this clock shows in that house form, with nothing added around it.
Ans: {"hour": 11, "minute": 20}
